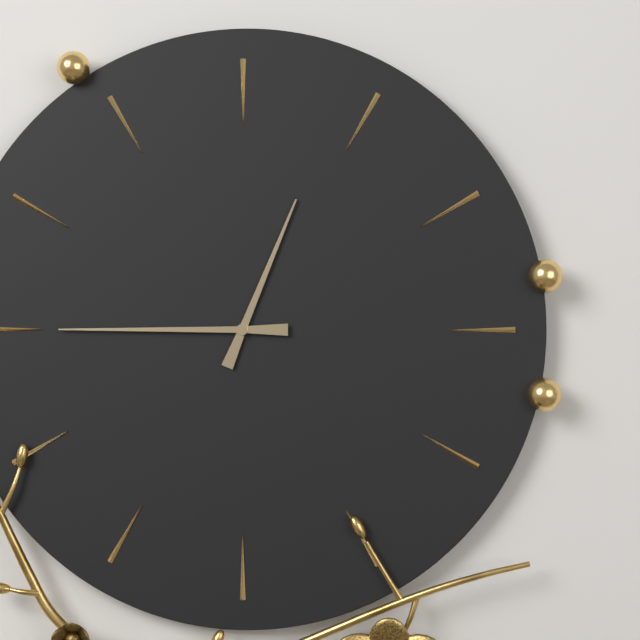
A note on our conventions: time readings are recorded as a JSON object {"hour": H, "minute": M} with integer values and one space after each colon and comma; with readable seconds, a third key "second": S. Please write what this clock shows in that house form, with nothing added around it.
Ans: {"hour": 12, "minute": 45}
